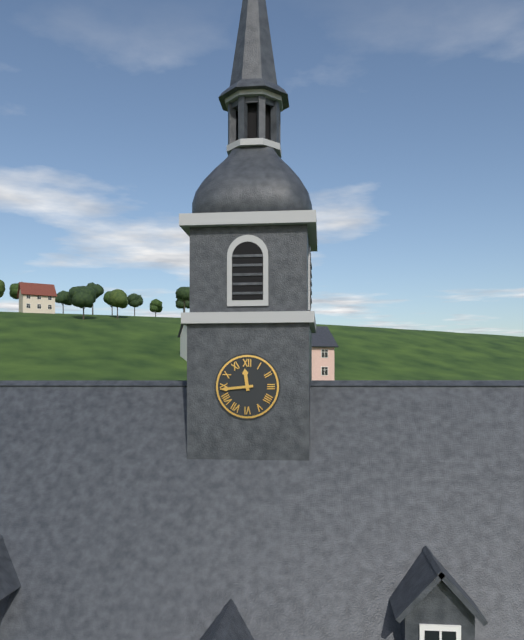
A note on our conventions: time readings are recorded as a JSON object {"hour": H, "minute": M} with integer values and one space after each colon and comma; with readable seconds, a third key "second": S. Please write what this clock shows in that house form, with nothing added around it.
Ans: {"hour": 11, "minute": 44}
